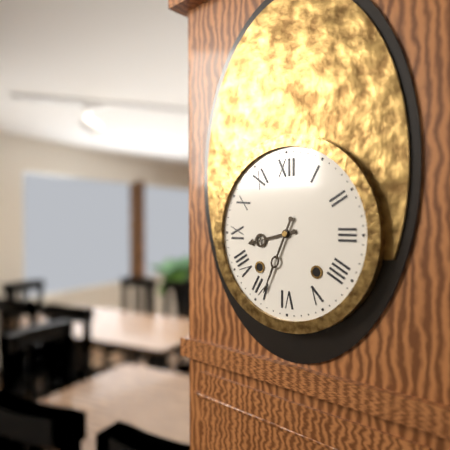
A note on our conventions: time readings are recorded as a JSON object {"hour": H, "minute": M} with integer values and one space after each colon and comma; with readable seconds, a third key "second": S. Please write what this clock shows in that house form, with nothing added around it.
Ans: {"hour": 8, "minute": 34}
